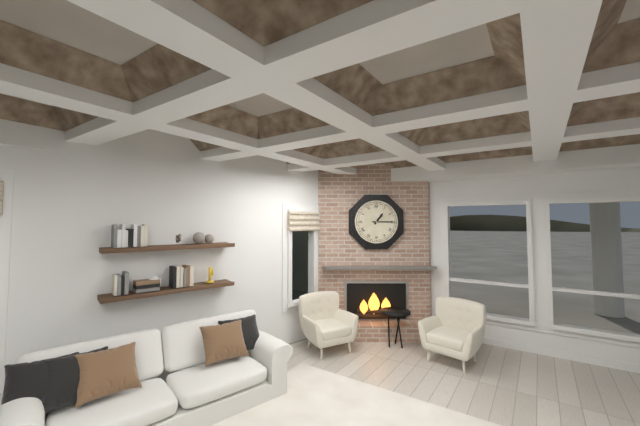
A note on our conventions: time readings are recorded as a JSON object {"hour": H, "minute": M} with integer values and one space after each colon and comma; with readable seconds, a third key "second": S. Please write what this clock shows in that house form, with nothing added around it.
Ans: {"hour": 1, "minute": 15}
